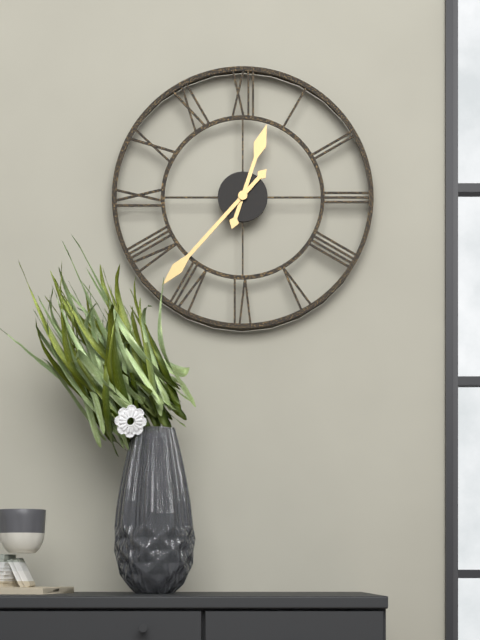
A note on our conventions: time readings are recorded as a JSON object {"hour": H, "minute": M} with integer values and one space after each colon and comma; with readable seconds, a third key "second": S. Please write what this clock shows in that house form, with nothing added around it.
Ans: {"hour": 12, "minute": 37}
